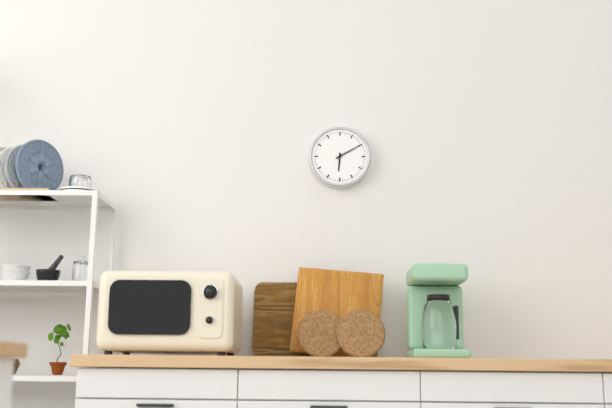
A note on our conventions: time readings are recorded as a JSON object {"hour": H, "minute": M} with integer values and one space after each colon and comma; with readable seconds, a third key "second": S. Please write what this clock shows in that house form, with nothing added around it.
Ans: {"hour": 6, "minute": 10}
